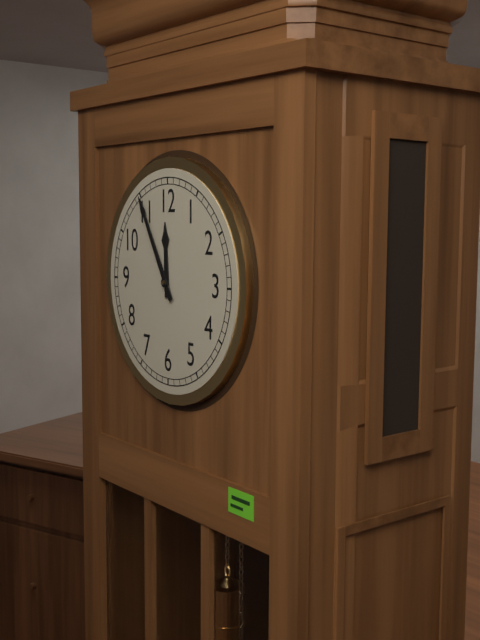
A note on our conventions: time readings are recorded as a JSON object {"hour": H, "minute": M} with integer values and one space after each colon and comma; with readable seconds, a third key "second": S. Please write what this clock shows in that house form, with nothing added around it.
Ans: {"hour": 11, "minute": 55}
